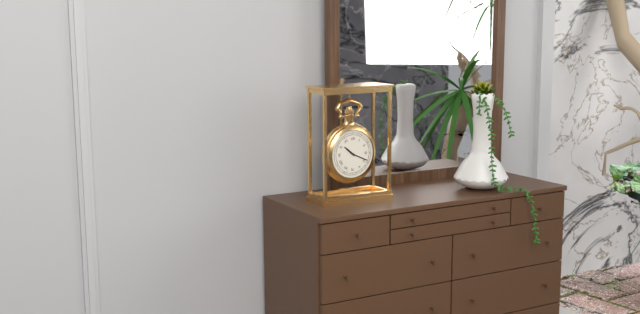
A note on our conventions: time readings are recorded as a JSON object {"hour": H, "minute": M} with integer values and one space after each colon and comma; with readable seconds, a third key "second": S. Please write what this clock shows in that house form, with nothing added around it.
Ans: {"hour": 10, "minute": 19}
